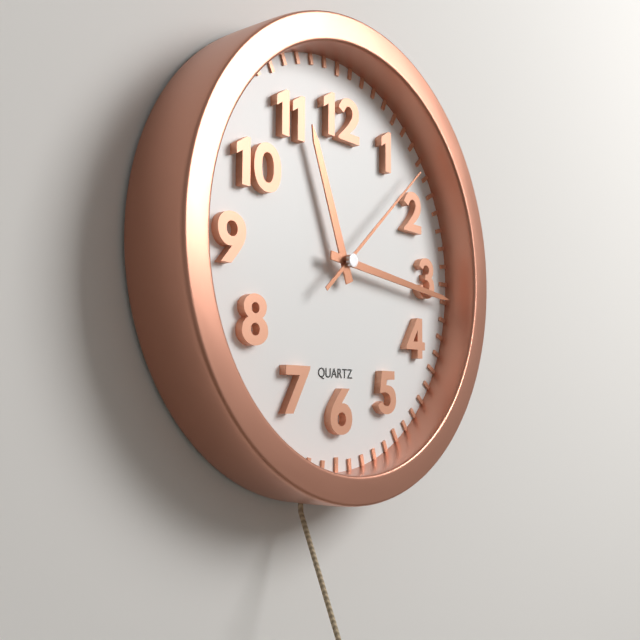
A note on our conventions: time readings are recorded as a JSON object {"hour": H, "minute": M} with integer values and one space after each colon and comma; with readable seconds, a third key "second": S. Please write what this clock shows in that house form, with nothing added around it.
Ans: {"hour": 11, "minute": 16, "second": 8}
